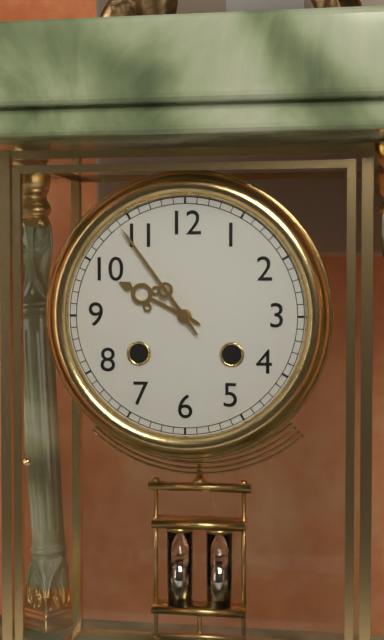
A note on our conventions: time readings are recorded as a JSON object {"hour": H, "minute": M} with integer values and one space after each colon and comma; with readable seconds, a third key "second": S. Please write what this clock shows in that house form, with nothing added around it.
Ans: {"hour": 9, "minute": 54}
